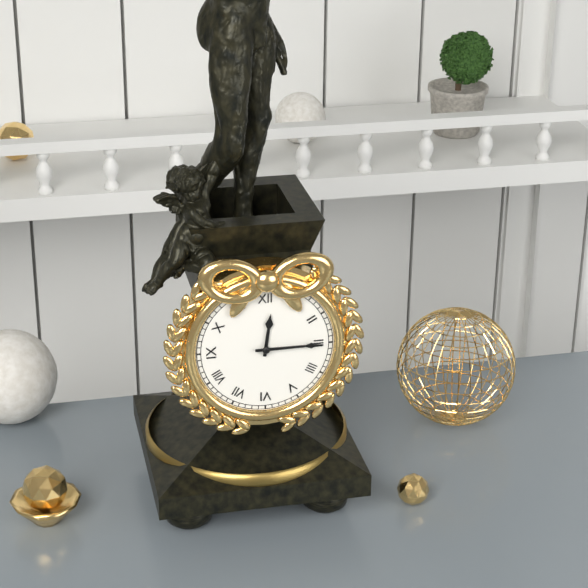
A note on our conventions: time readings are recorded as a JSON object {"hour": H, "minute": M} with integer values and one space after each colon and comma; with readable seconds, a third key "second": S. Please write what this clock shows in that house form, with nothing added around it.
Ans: {"hour": 12, "minute": 15}
